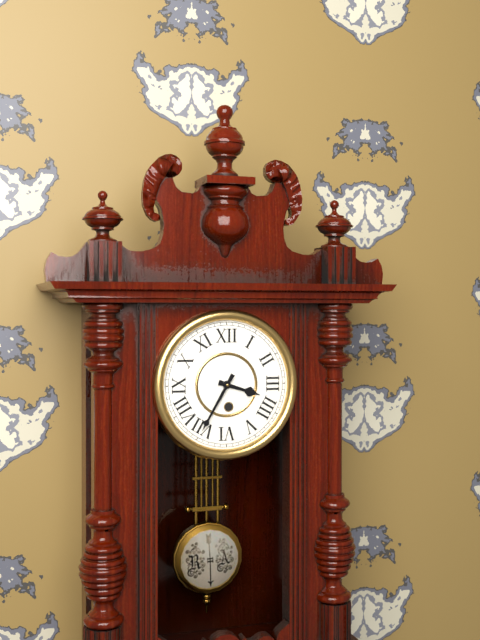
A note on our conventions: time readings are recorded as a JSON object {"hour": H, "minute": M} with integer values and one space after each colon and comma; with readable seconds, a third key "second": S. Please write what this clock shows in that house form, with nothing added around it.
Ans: {"hour": 3, "minute": 35}
